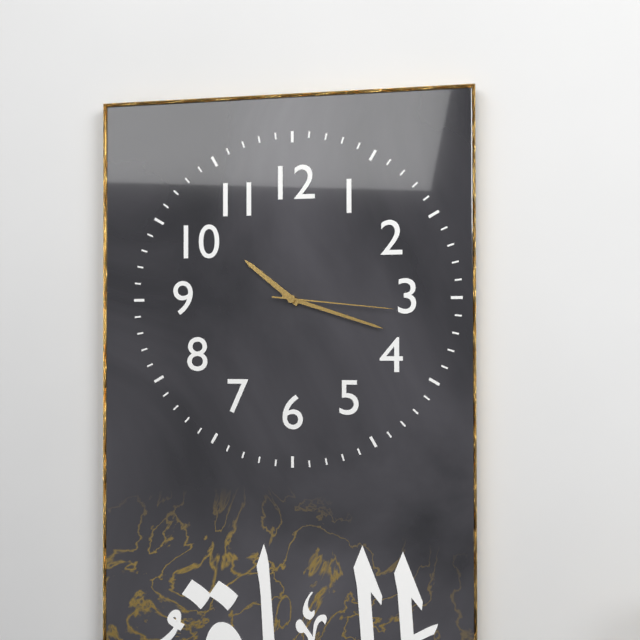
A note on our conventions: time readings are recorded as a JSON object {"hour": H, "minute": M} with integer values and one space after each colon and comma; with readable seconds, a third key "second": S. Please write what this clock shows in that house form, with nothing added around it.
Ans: {"hour": 10, "minute": 18, "second": 16}
